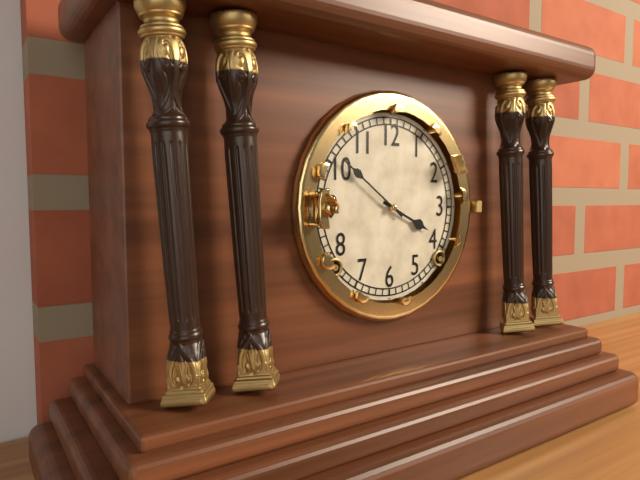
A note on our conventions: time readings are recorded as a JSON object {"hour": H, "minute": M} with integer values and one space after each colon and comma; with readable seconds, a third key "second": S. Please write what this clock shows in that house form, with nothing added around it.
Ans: {"hour": 3, "minute": 51}
